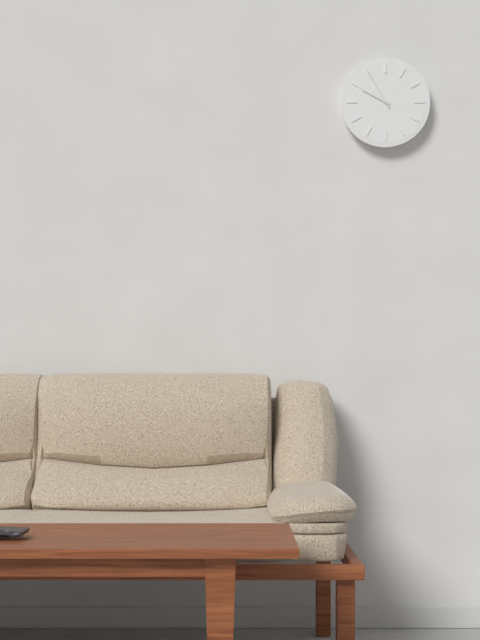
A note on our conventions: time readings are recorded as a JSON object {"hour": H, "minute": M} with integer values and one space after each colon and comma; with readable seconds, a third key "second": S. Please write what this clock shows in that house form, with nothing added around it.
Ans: {"hour": 9, "minute": 55}
